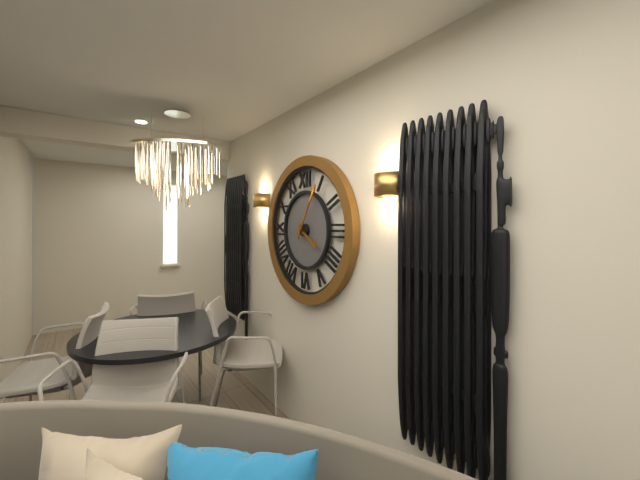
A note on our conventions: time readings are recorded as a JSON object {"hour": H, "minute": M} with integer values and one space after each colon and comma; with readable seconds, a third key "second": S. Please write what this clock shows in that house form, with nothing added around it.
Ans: {"hour": 4, "minute": 5}
